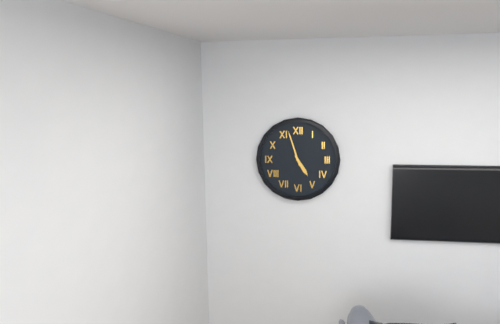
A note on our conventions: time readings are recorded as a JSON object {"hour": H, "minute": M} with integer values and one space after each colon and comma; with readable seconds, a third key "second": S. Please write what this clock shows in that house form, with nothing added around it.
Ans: {"hour": 4, "minute": 57}
